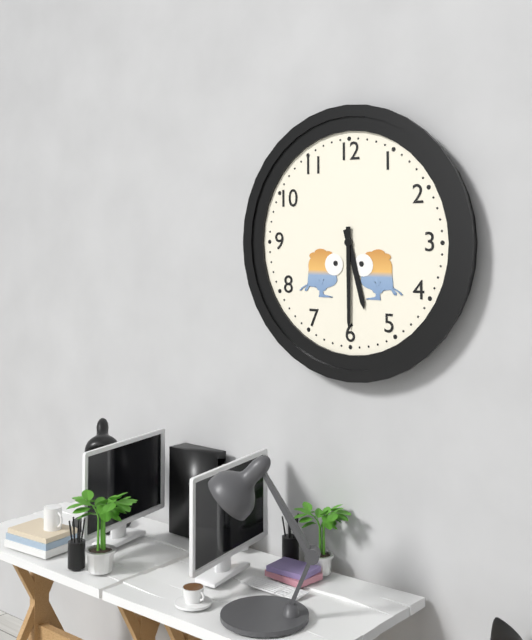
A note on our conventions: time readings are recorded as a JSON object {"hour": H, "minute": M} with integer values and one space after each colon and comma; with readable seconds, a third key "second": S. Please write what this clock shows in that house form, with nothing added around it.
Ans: {"hour": 5, "minute": 30}
